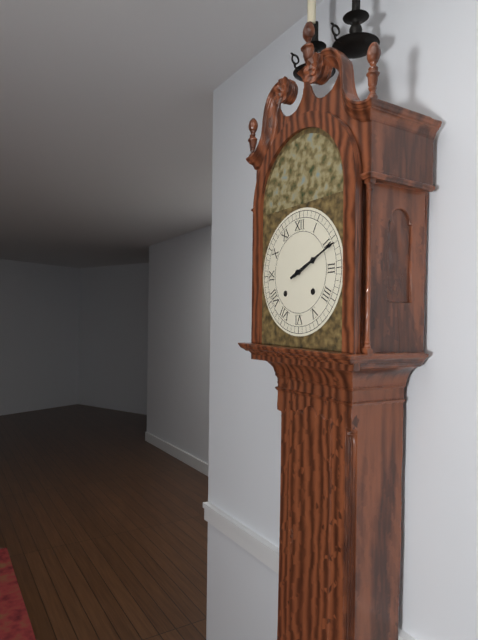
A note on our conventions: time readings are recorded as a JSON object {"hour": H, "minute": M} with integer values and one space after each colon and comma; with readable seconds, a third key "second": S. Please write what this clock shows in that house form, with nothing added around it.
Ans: {"hour": 2, "minute": 11}
